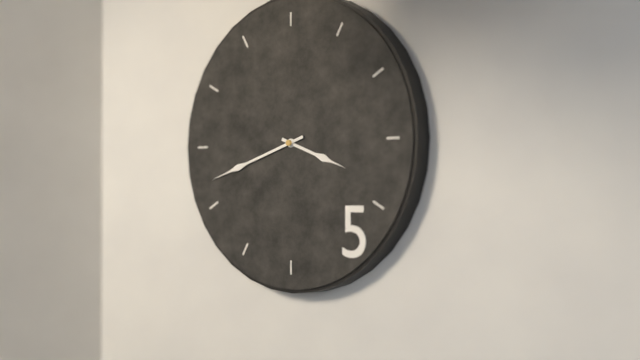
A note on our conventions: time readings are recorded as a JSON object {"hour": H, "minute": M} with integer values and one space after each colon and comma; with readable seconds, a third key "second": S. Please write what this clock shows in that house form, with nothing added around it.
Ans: {"hour": 3, "minute": 42}
